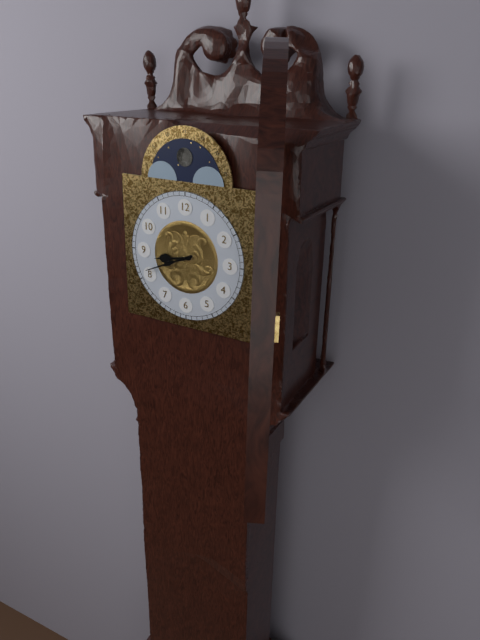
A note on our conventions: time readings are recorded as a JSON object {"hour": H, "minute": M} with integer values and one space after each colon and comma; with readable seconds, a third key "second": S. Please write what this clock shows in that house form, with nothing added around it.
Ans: {"hour": 8, "minute": 41}
